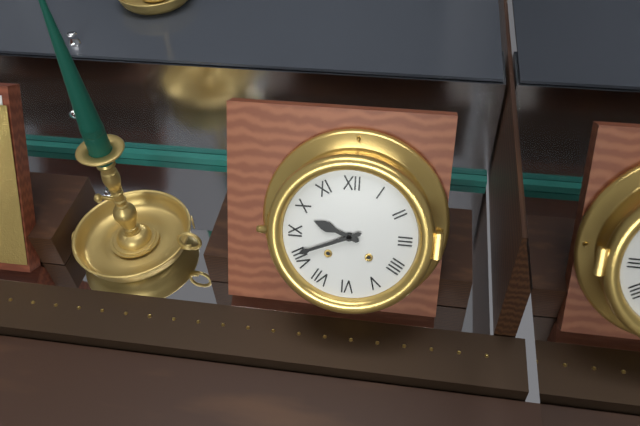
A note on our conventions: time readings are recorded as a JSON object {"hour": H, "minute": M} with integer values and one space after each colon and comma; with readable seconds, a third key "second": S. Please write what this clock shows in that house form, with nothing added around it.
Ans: {"hour": 9, "minute": 41}
